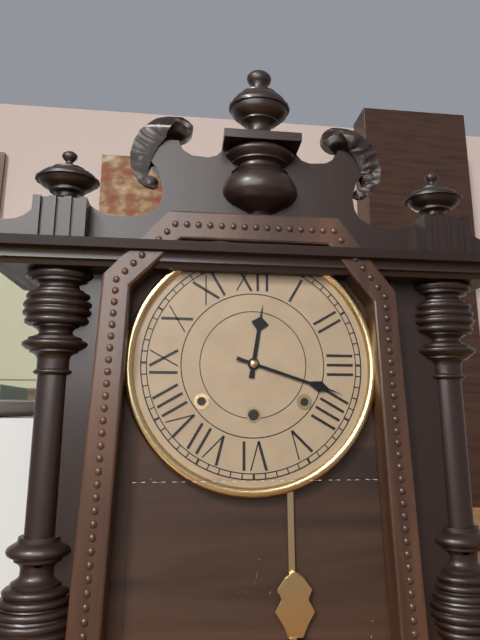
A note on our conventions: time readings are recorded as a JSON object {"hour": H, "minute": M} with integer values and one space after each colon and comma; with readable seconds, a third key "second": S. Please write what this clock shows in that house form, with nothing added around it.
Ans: {"hour": 12, "minute": 18}
